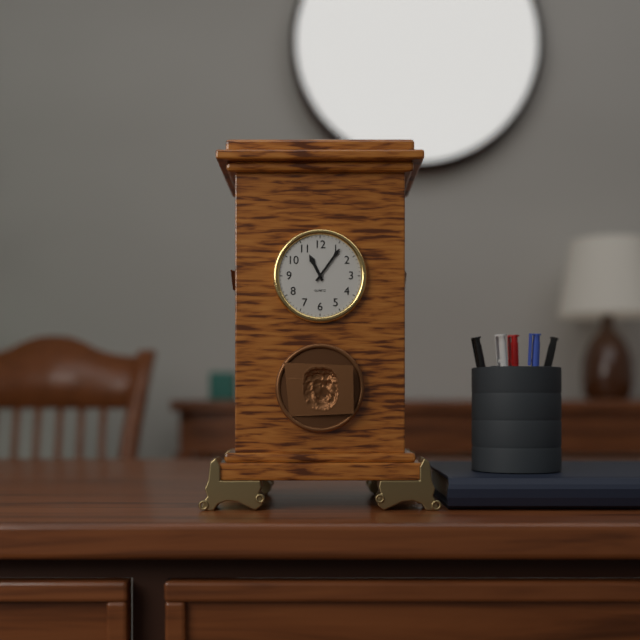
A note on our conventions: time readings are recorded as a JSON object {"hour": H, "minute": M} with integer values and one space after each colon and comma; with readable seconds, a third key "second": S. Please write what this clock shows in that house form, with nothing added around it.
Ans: {"hour": 11, "minute": 6}
